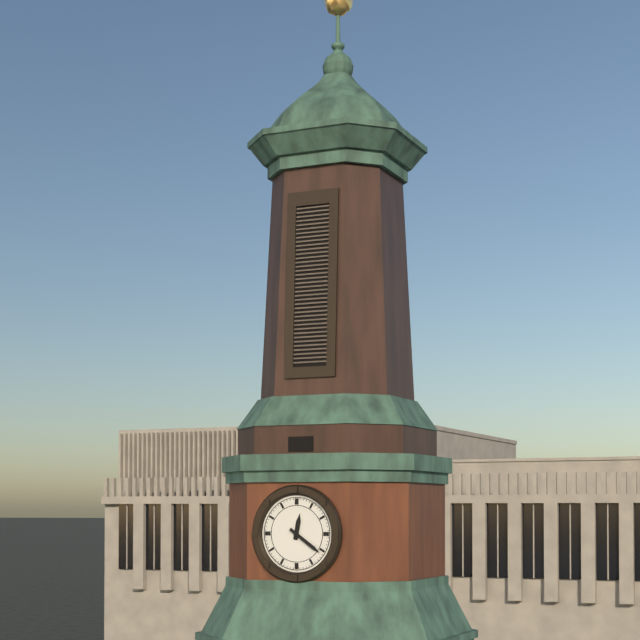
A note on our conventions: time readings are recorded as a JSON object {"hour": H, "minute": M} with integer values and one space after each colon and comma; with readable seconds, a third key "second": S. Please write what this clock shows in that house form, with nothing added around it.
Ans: {"hour": 12, "minute": 21}
